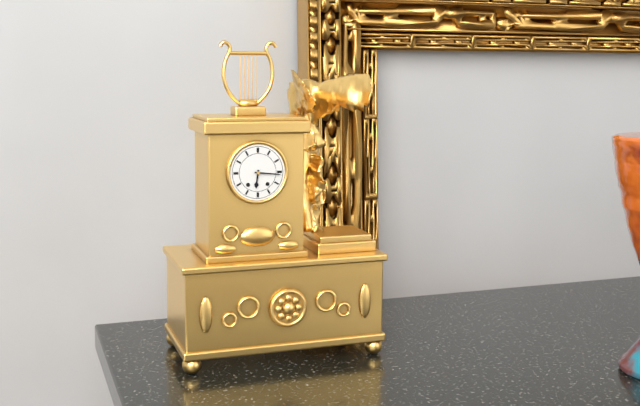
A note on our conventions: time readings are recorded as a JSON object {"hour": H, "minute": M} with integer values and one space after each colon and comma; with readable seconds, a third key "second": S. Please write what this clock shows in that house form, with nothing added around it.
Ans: {"hour": 6, "minute": 16}
